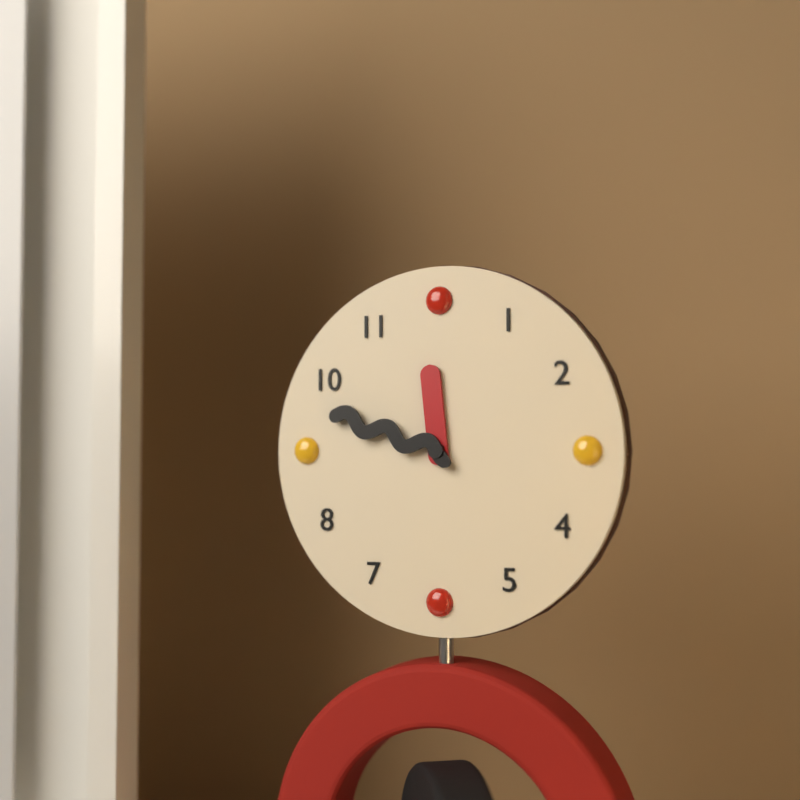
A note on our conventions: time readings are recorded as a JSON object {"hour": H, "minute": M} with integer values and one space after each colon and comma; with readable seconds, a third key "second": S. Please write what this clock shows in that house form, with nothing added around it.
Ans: {"hour": 11, "minute": 48}
